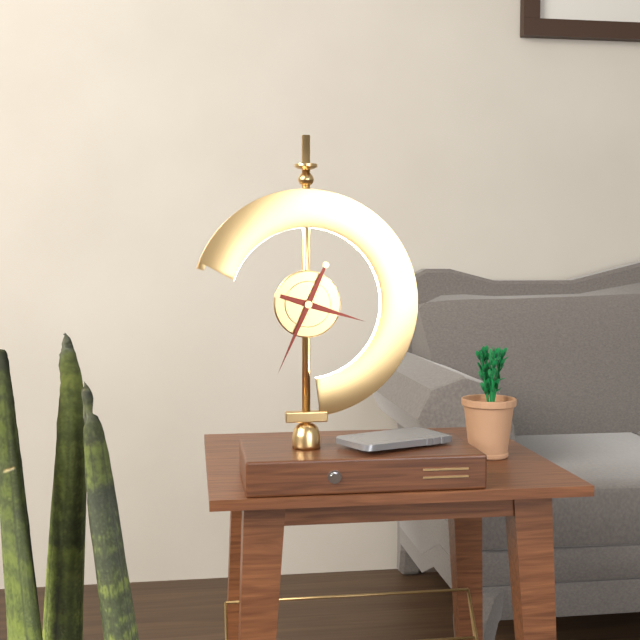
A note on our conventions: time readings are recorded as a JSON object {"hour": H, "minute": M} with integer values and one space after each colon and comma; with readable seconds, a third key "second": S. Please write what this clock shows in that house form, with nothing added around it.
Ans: {"hour": 3, "minute": 34}
